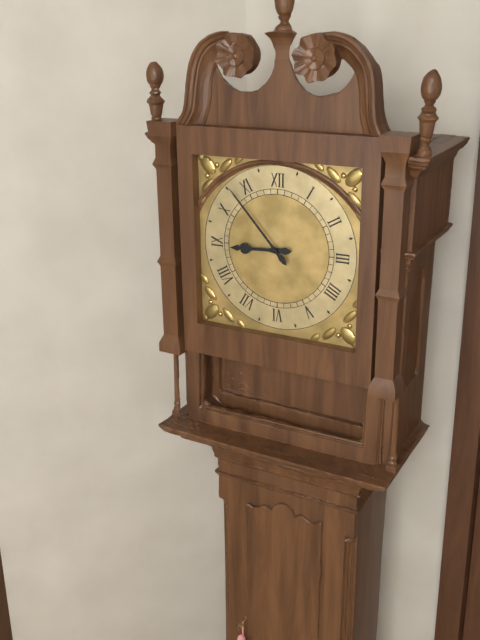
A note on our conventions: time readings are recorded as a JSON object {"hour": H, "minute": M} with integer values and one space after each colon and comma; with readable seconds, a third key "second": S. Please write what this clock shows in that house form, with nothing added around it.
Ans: {"hour": 8, "minute": 53}
